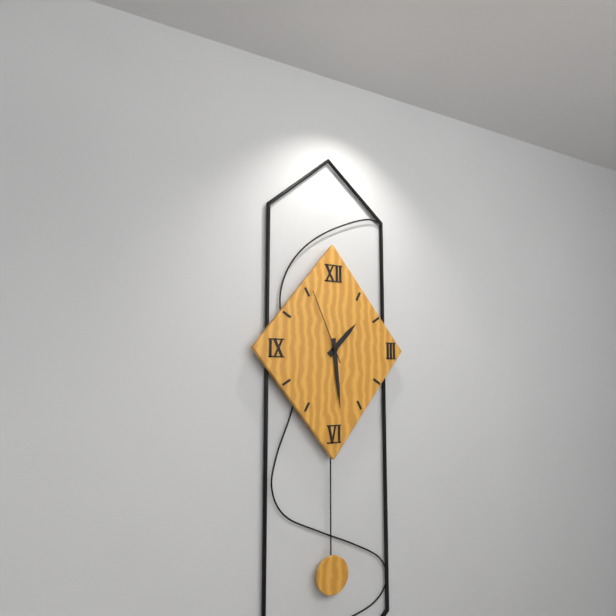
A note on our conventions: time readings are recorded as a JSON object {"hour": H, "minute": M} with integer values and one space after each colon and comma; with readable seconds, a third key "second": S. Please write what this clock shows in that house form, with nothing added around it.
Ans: {"hour": 1, "minute": 29, "second": 56}
